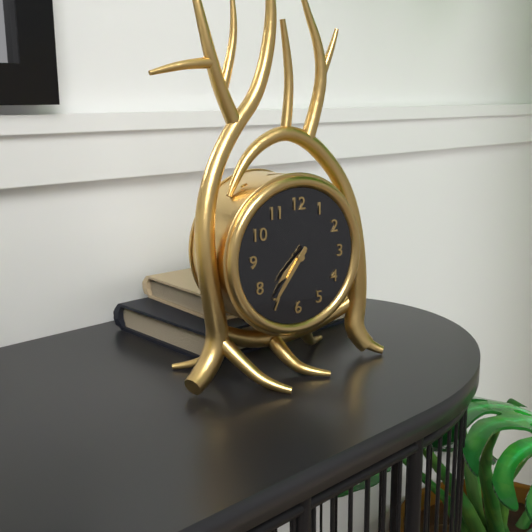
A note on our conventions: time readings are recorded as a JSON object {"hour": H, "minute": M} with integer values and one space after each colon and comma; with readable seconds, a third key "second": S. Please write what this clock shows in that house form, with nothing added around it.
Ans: {"hour": 7, "minute": 36}
